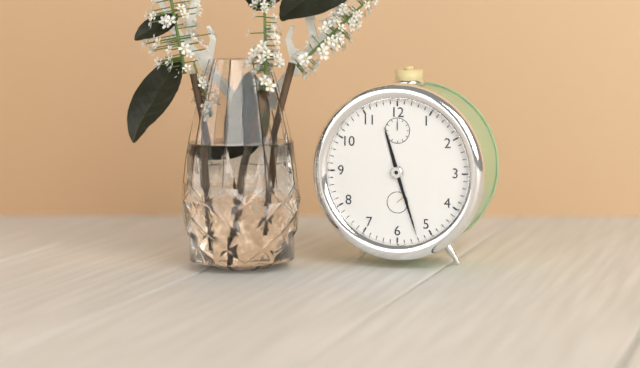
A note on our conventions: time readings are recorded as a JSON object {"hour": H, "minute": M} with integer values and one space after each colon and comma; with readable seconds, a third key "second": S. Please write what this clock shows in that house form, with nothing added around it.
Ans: {"hour": 11, "minute": 27}
